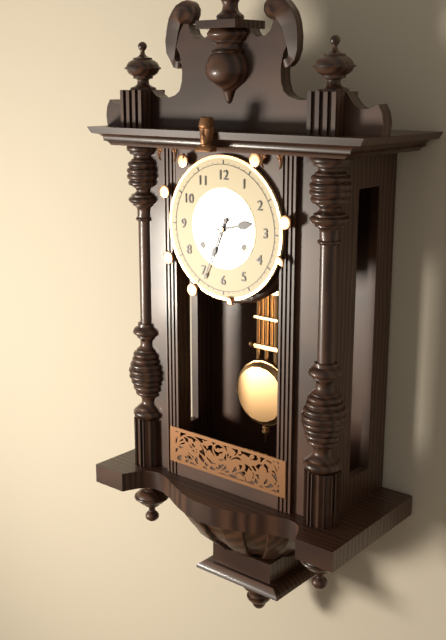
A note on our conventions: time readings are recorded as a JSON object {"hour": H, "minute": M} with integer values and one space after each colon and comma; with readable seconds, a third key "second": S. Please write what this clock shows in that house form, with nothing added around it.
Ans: {"hour": 2, "minute": 34}
